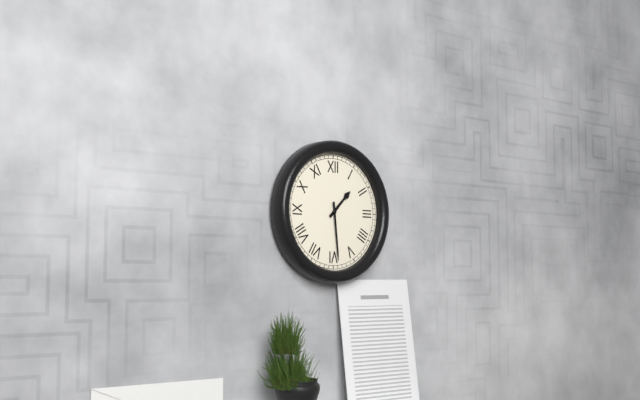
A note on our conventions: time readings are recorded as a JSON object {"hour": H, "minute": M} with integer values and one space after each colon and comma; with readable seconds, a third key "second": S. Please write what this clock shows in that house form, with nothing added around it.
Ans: {"hour": 1, "minute": 29}
